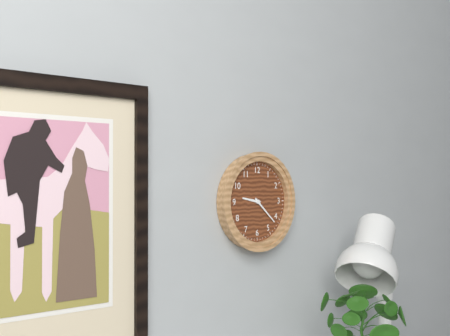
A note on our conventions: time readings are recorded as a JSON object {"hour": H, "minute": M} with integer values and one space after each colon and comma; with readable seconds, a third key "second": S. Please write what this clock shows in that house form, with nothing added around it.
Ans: {"hour": 9, "minute": 22}
